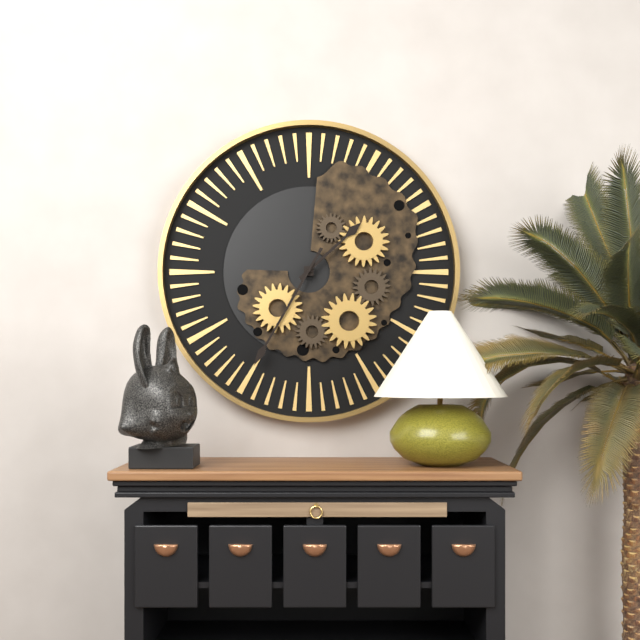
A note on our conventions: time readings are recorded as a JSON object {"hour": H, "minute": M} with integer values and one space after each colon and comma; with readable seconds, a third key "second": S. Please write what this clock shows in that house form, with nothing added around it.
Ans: {"hour": 1, "minute": 35}
